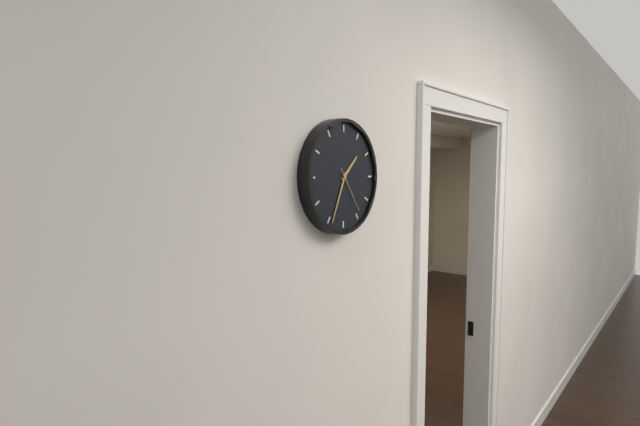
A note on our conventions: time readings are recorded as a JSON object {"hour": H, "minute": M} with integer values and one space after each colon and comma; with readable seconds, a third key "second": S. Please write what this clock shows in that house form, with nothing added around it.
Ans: {"hour": 1, "minute": 34, "second": 24}
